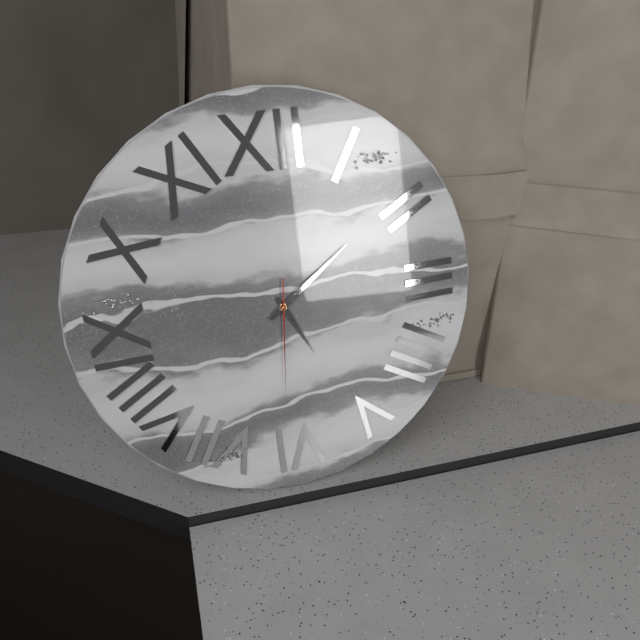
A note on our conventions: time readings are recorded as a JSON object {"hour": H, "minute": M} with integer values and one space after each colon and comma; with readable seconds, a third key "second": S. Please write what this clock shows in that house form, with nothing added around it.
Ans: {"hour": 5, "minute": 9, "second": 31}
